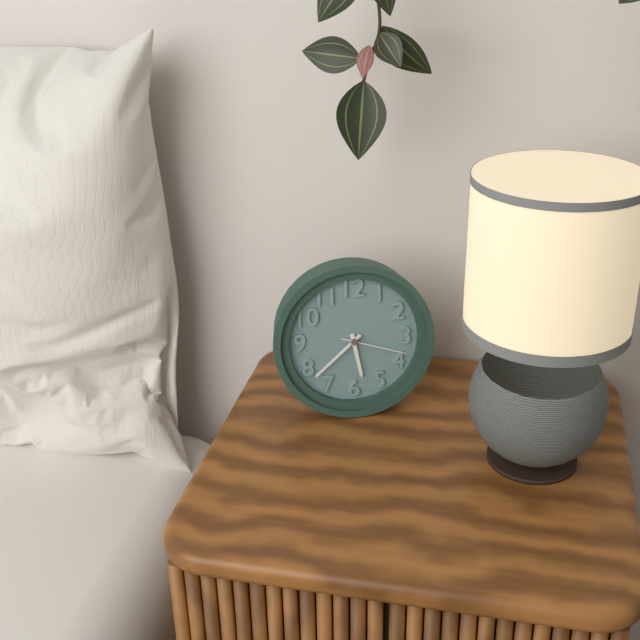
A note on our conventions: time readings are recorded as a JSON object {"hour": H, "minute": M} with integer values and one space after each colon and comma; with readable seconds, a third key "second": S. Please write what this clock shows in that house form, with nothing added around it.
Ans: {"hour": 5, "minute": 38, "second": 18}
